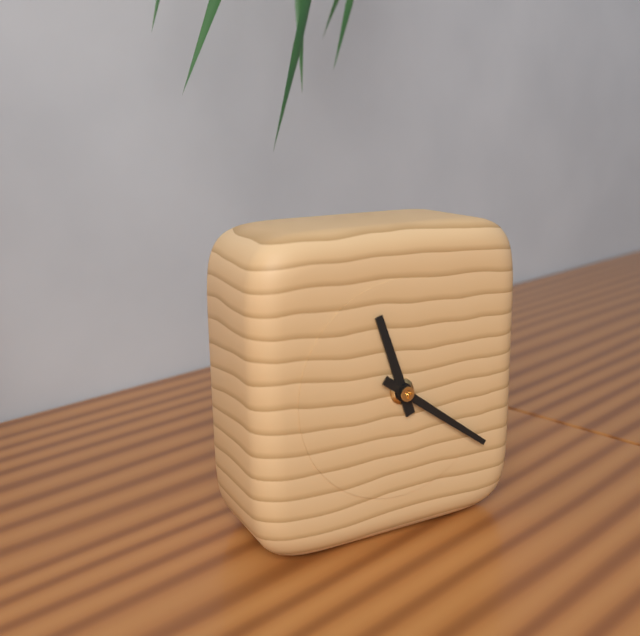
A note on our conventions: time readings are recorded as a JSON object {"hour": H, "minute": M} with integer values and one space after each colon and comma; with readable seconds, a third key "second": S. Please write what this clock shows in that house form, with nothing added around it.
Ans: {"hour": 11, "minute": 21}
